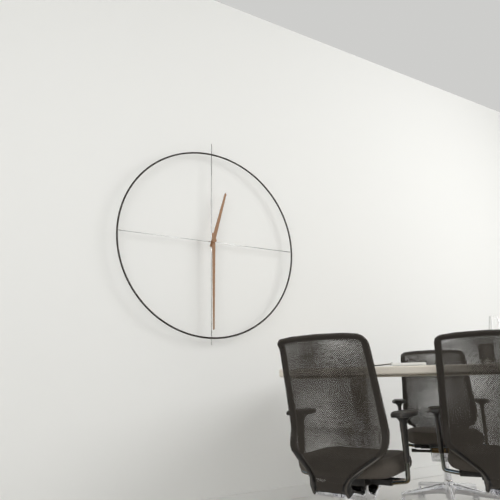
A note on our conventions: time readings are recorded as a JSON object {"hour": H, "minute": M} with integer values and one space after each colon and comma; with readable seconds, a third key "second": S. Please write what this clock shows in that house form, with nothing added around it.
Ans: {"hour": 12, "minute": 30}
